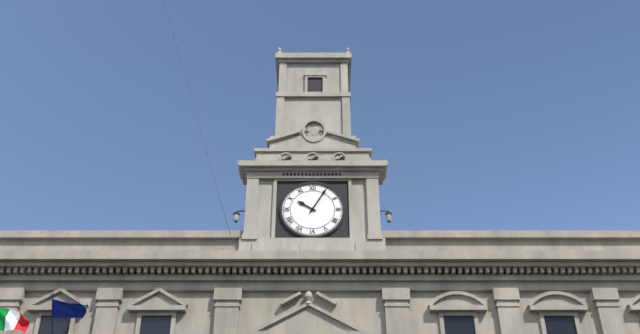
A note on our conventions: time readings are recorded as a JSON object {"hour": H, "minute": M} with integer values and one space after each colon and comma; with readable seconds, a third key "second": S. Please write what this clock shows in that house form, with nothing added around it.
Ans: {"hour": 10, "minute": 5}
